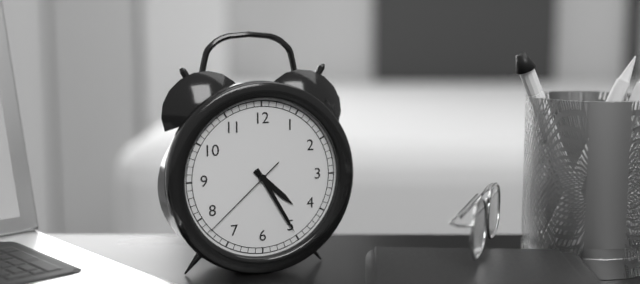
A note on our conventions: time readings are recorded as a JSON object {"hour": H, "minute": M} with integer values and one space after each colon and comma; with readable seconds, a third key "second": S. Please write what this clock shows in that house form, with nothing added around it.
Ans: {"hour": 4, "minute": 25, "second": 38}
